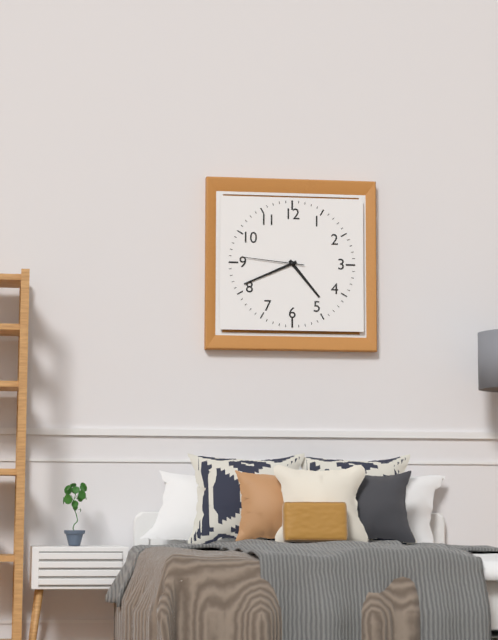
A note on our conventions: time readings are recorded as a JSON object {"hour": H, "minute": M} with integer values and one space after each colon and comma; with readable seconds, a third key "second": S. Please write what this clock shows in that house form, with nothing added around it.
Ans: {"hour": 4, "minute": 41, "second": 46}
